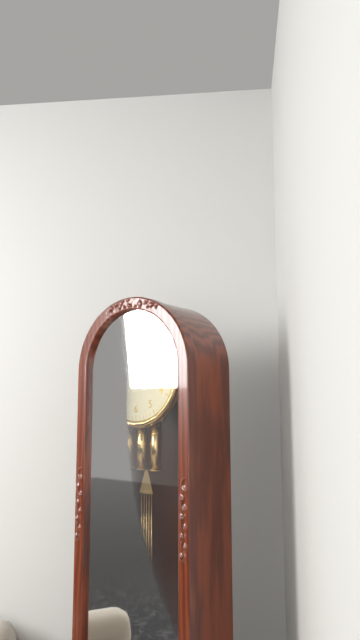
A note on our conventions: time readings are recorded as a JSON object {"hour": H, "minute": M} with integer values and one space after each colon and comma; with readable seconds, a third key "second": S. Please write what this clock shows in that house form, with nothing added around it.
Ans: {"hour": 11, "minute": 59}
